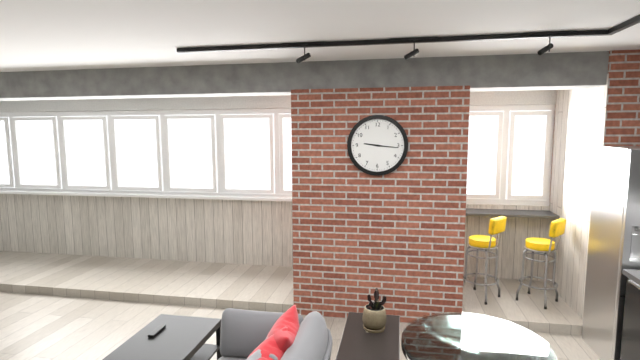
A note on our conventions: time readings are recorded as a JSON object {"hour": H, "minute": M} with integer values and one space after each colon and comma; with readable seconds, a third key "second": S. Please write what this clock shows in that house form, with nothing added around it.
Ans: {"hour": 9, "minute": 16}
